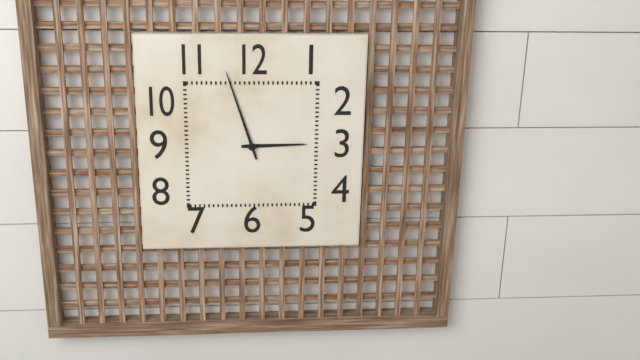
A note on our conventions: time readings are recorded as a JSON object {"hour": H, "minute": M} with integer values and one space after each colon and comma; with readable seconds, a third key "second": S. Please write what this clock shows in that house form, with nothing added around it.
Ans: {"hour": 2, "minute": 57}
